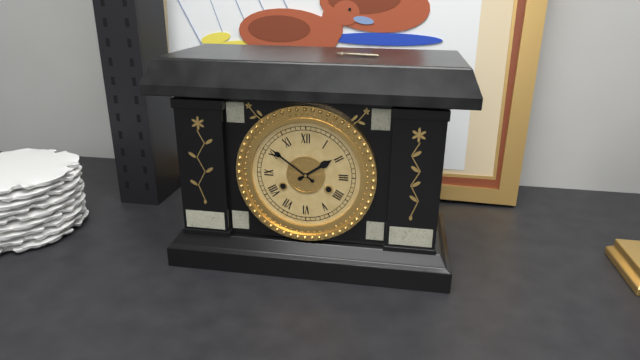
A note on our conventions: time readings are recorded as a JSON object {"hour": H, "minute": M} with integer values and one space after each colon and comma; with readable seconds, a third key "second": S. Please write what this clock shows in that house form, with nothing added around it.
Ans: {"hour": 1, "minute": 51}
